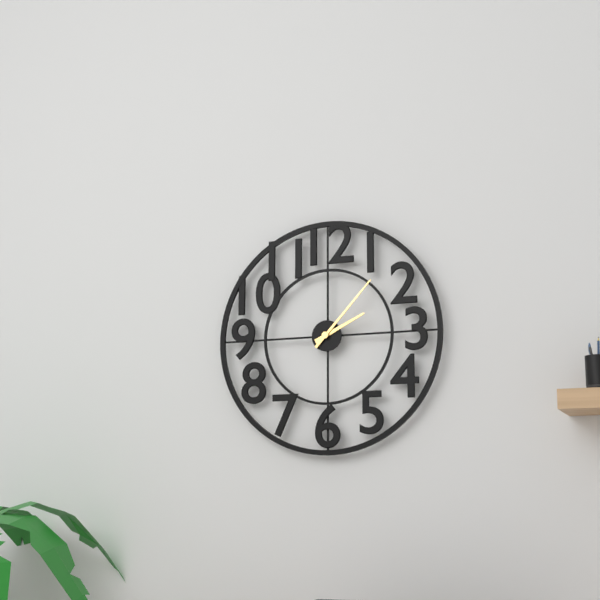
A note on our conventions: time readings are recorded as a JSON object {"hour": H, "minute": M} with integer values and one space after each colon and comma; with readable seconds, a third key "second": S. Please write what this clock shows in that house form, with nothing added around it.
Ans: {"hour": 2, "minute": 7}
